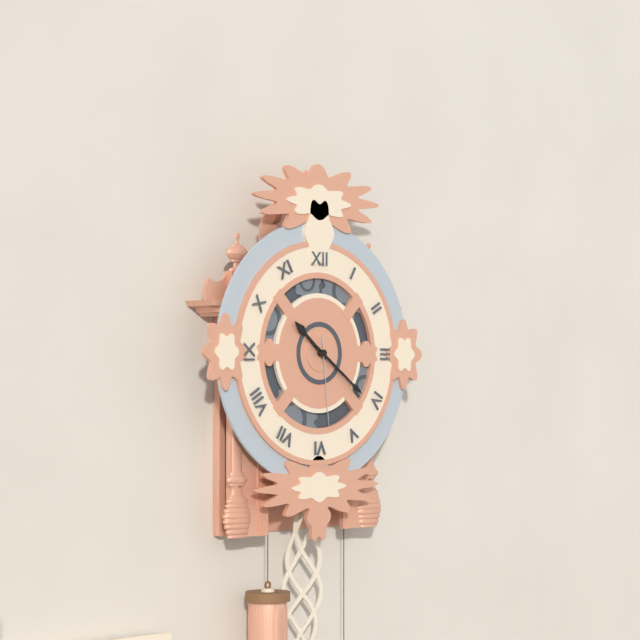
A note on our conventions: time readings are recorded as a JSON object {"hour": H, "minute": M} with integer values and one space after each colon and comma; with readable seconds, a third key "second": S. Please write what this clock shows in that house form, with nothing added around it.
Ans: {"hour": 10, "minute": 21, "second": 29}
